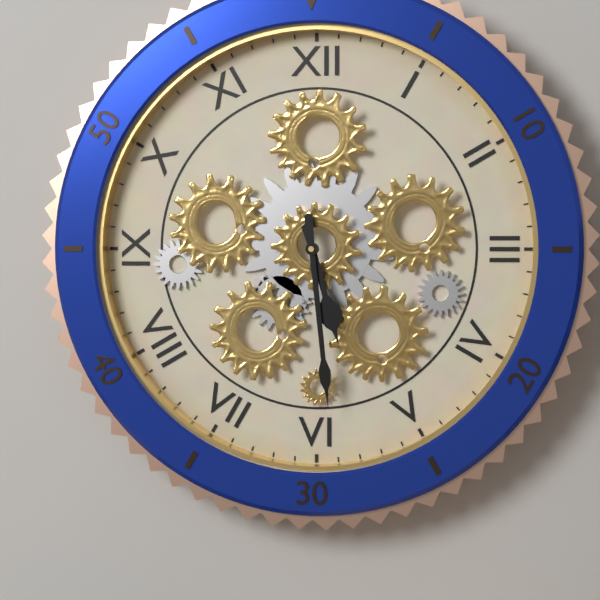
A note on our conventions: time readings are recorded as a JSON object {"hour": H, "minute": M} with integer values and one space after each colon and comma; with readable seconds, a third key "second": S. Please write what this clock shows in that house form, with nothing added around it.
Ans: {"hour": 5, "minute": 29}
